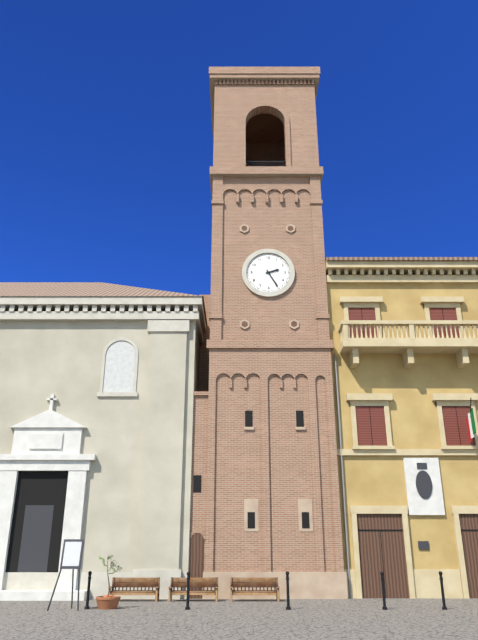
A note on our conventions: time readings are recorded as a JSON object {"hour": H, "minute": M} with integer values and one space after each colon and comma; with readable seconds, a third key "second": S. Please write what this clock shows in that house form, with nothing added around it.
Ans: {"hour": 2, "minute": 25}
